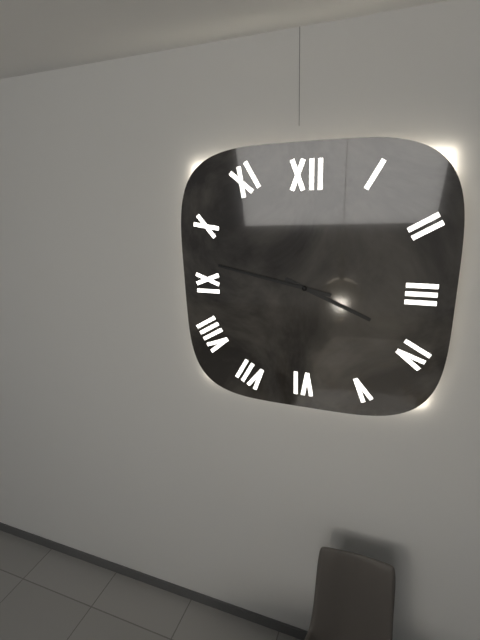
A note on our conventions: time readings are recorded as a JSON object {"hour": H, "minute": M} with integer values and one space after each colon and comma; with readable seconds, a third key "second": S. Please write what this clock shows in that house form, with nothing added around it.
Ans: {"hour": 3, "minute": 47}
